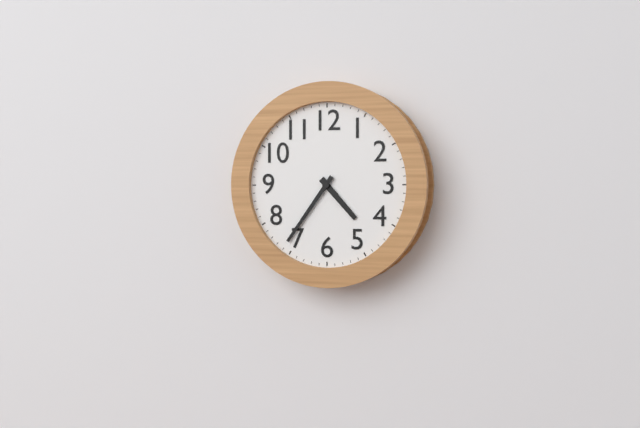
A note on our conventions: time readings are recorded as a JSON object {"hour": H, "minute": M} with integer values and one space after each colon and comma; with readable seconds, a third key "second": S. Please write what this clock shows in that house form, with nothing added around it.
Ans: {"hour": 4, "minute": 36}
